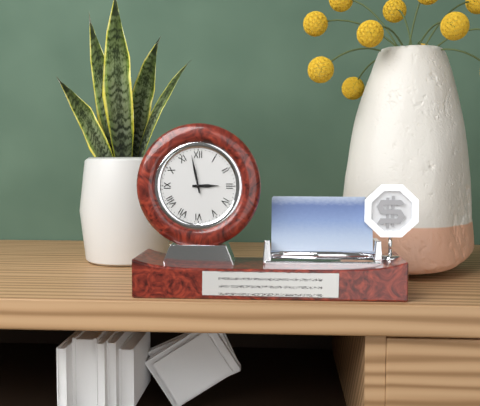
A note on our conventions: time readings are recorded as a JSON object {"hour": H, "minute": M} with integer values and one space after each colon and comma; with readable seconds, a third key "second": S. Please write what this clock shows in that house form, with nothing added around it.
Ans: {"hour": 2, "minute": 58}
